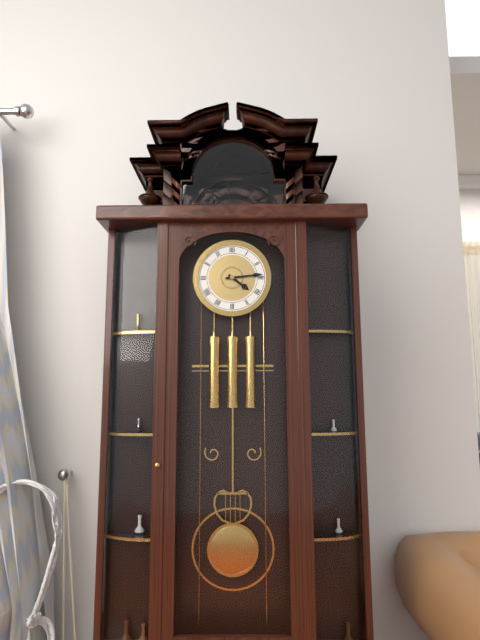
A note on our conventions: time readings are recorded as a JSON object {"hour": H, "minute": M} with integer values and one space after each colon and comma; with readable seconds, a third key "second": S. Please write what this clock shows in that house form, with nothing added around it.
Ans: {"hour": 4, "minute": 14}
